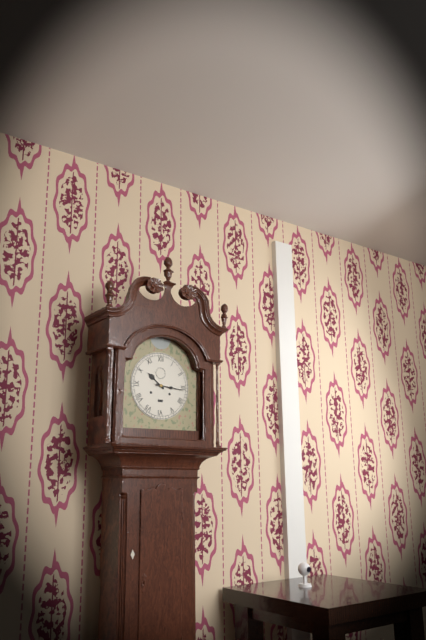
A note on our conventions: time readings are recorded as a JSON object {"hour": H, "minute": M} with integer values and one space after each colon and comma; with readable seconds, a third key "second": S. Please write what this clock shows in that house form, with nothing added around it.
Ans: {"hour": 10, "minute": 16}
